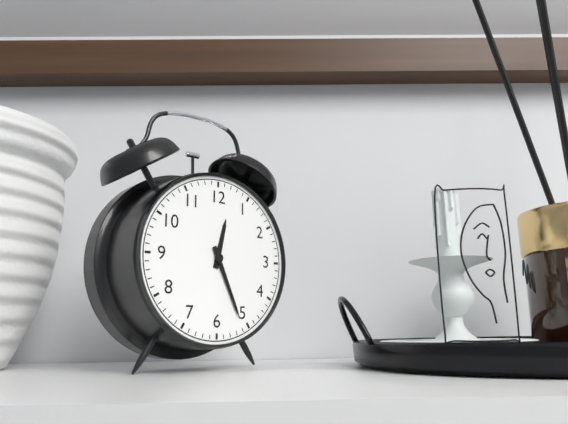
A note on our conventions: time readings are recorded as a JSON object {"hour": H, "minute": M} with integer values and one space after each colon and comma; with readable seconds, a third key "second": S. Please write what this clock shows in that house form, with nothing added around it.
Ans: {"hour": 12, "minute": 26}
